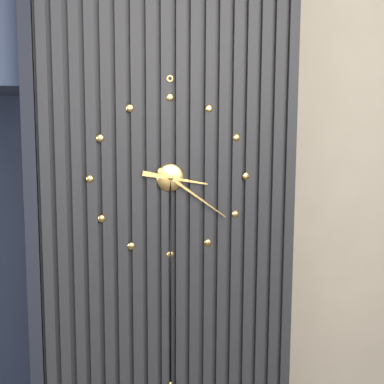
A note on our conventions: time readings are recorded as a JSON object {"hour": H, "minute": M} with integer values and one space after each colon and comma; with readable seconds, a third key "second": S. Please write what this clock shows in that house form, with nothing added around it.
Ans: {"hour": 3, "minute": 21}
